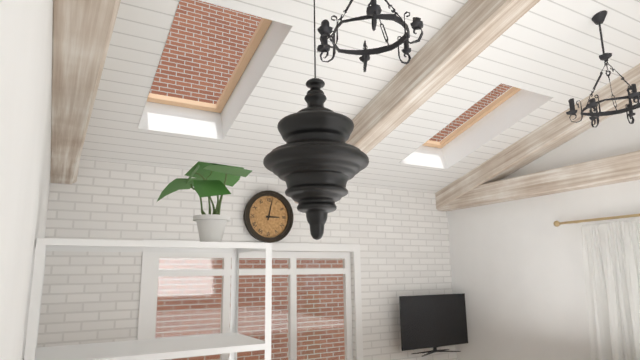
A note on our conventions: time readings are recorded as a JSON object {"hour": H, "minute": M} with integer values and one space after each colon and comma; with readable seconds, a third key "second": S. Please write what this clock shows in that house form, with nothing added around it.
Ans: {"hour": 3, "minute": 2}
